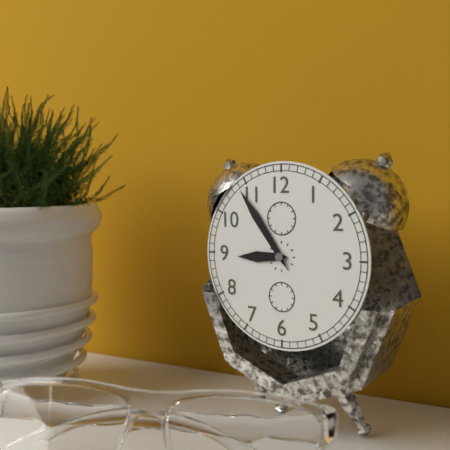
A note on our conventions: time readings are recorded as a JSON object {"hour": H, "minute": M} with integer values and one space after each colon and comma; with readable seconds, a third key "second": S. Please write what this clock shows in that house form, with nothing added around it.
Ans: {"hour": 8, "minute": 54}
